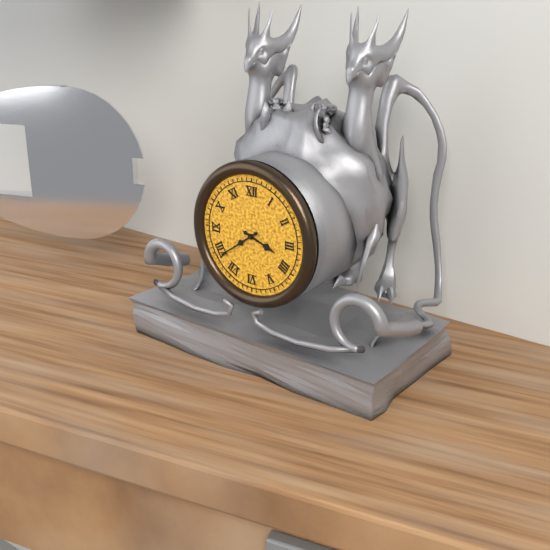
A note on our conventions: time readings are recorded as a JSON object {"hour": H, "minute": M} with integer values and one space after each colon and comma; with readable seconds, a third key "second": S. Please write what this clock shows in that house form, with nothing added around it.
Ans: {"hour": 3, "minute": 39}
